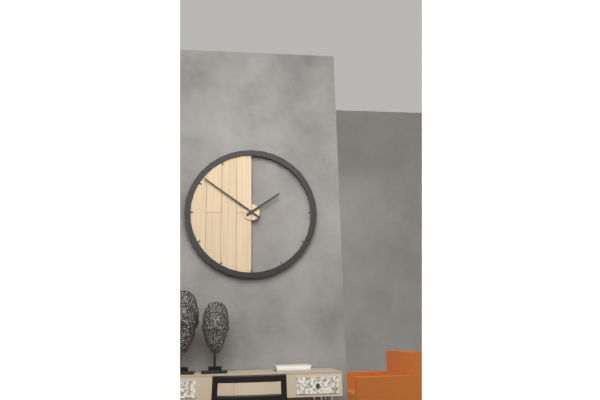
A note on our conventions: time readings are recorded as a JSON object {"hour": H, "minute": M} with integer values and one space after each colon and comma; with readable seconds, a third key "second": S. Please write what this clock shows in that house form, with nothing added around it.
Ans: {"hour": 1, "minute": 51}
